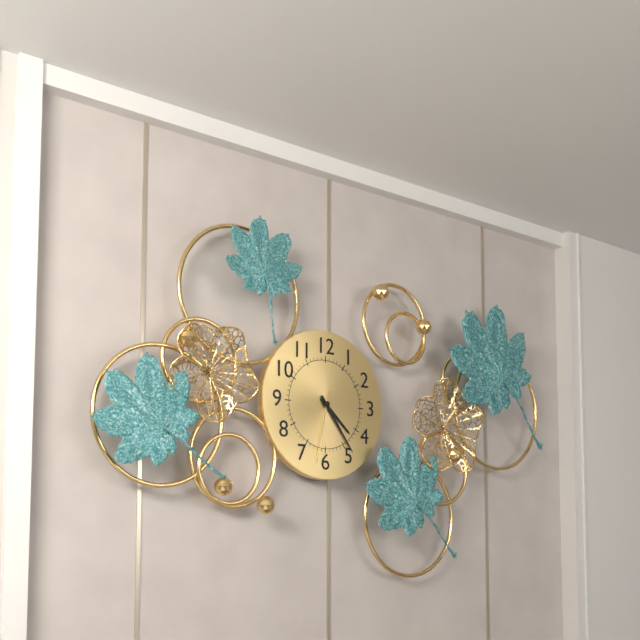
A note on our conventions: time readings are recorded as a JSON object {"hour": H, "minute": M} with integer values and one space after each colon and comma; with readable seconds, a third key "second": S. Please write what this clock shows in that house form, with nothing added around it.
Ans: {"hour": 4, "minute": 24, "second": 32}
